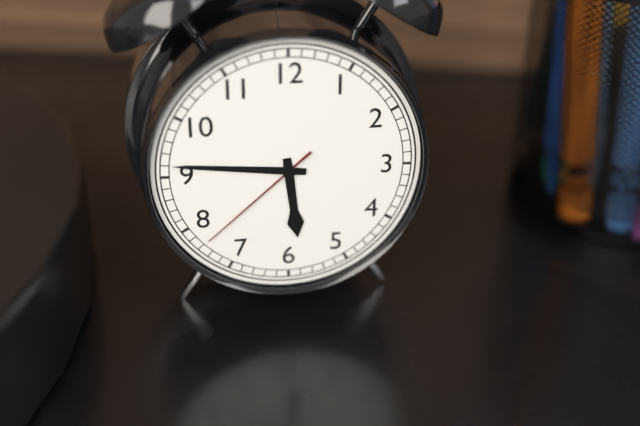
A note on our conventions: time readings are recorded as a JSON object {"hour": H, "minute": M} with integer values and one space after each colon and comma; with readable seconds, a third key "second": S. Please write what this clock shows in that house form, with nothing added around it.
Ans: {"hour": 5, "minute": 46, "second": 38}
